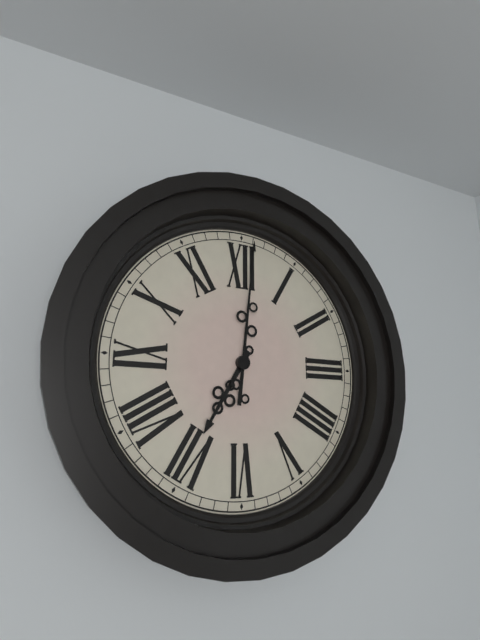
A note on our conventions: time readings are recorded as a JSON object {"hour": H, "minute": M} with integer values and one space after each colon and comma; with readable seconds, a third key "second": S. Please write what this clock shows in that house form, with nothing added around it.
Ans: {"hour": 7, "minute": 1}
